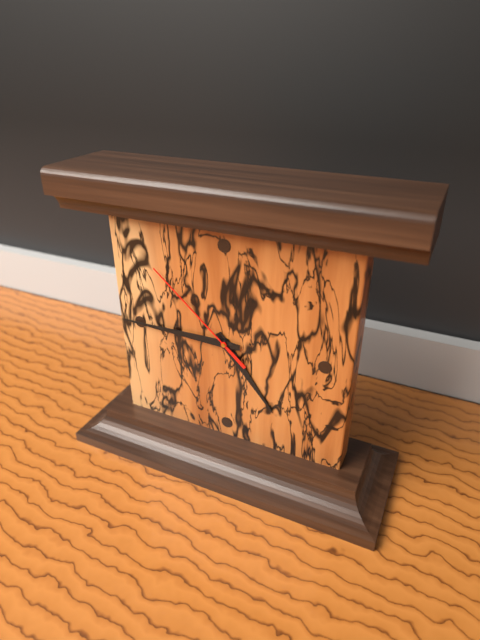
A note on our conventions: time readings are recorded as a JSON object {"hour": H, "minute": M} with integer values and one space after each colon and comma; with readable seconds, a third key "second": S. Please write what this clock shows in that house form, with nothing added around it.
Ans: {"hour": 4, "minute": 45, "second": 52}
